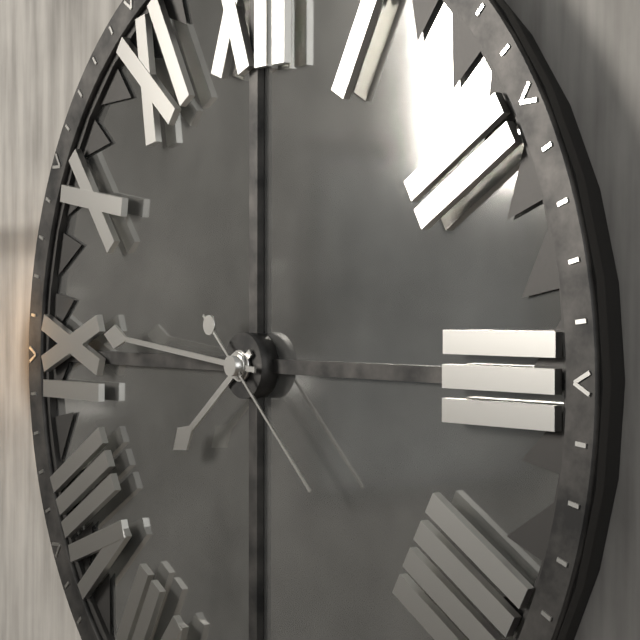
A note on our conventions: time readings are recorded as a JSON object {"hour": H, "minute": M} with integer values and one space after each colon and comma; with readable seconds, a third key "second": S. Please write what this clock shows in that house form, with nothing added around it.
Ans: {"hour": 7, "minute": 46, "second": 22}
